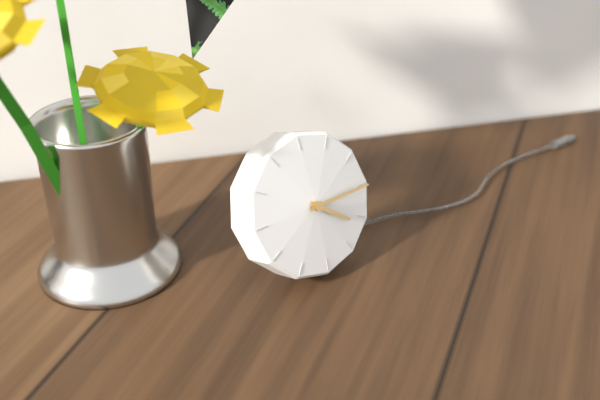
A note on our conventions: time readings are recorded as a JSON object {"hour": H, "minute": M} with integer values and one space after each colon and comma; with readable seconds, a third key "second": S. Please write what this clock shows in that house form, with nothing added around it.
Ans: {"hour": 4, "minute": 15}
